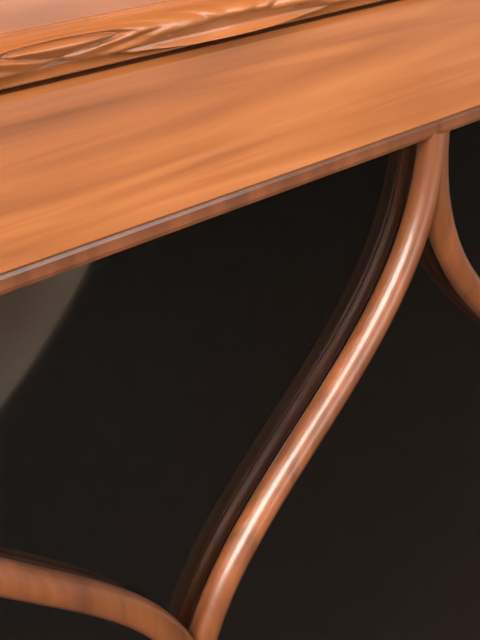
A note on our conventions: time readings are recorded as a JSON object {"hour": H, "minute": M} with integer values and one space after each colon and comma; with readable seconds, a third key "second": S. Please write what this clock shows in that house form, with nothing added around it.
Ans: {"hour": 10, "minute": 32}
